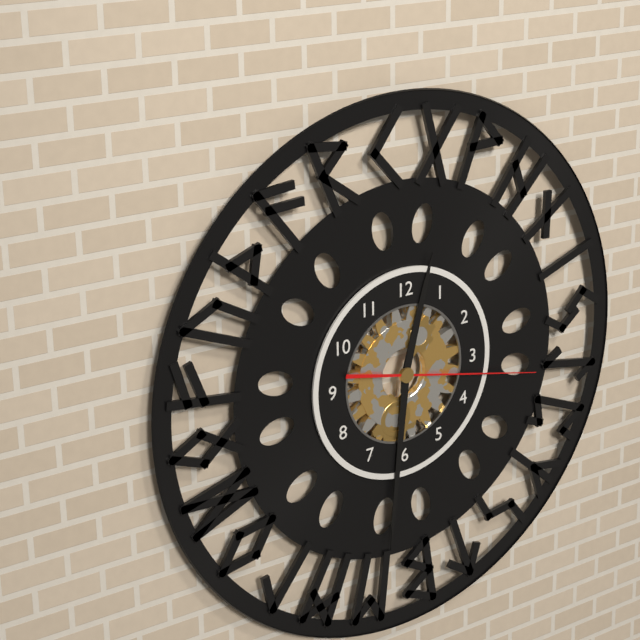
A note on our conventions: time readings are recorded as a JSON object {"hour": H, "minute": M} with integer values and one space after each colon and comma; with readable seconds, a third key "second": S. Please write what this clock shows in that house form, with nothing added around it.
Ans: {"hour": 12, "minute": 31, "second": 17}
